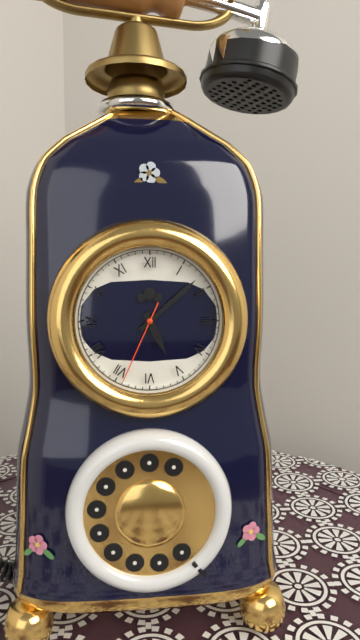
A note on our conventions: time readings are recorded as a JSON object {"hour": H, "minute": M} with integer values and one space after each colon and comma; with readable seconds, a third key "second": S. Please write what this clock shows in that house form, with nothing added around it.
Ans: {"hour": 5, "minute": 8, "second": 34}
